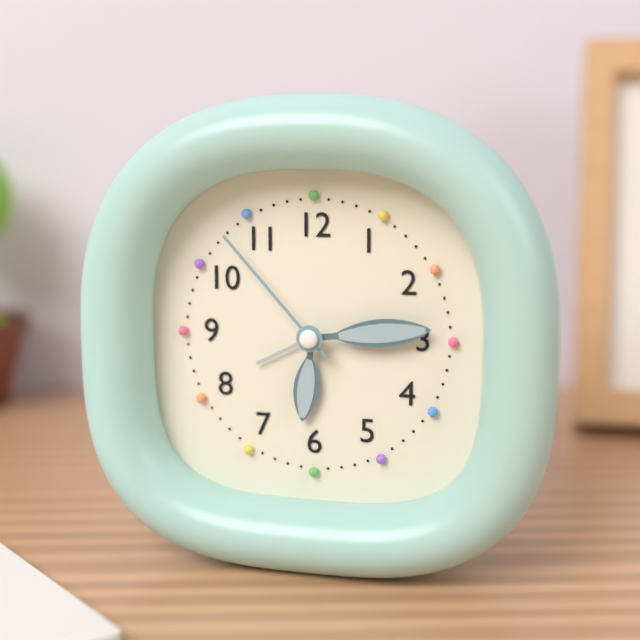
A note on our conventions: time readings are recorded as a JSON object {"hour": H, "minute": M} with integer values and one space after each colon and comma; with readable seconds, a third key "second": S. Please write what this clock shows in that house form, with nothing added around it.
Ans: {"hour": 6, "minute": 14, "second": 53}
